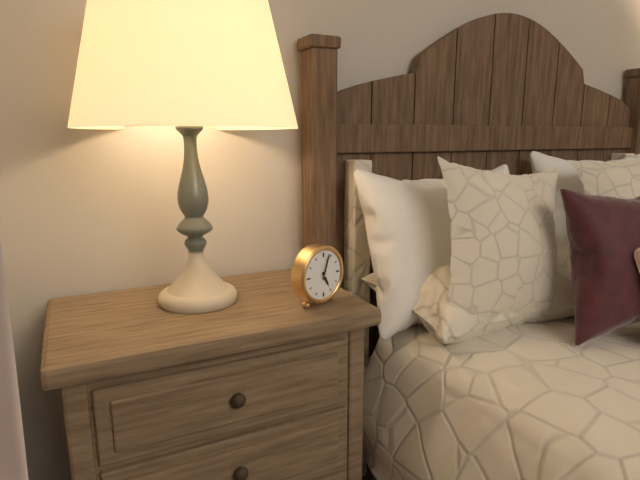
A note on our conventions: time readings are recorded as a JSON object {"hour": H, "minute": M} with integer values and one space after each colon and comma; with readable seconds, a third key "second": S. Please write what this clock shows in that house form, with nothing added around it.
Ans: {"hour": 5, "minute": 3}
